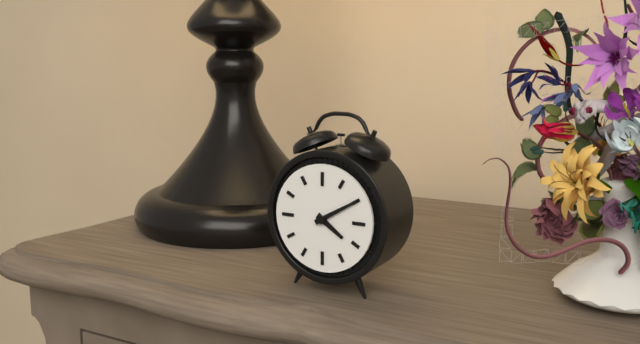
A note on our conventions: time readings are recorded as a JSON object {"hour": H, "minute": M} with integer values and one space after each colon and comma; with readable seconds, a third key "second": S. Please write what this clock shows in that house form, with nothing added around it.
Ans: {"hour": 4, "minute": 10}
